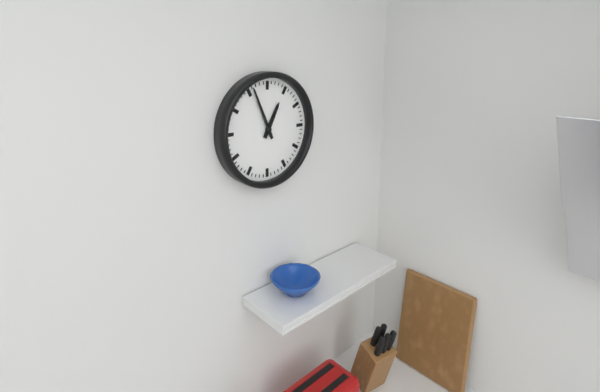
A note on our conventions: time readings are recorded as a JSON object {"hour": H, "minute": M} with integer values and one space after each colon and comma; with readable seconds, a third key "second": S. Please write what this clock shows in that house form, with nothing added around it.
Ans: {"hour": 12, "minute": 56}
